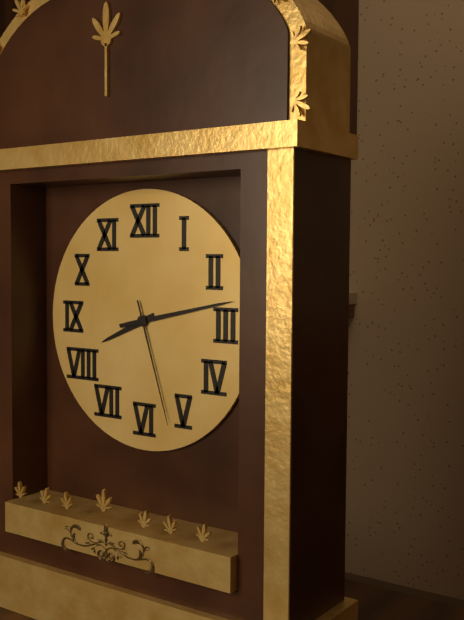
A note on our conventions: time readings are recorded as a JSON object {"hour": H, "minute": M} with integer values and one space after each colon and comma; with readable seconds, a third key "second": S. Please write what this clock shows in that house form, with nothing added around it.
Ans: {"hour": 8, "minute": 13, "second": 27}
